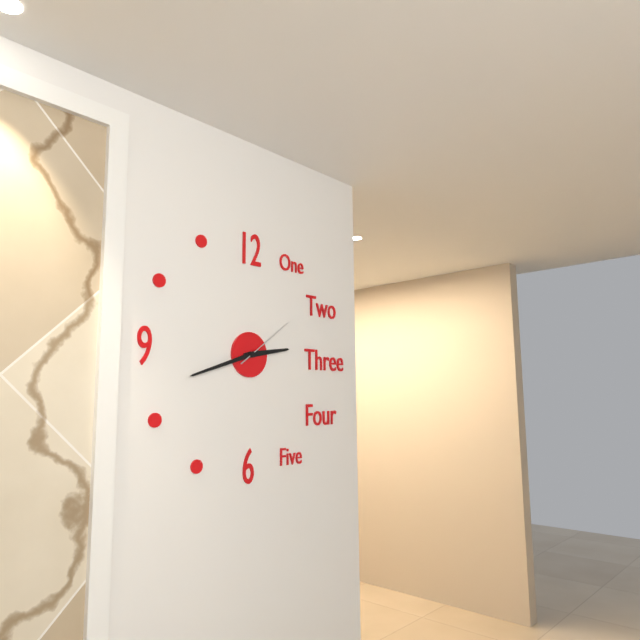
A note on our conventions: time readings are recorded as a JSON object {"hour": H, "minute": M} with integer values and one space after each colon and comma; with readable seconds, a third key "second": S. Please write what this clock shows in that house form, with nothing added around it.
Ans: {"hour": 2, "minute": 42, "second": 9}
